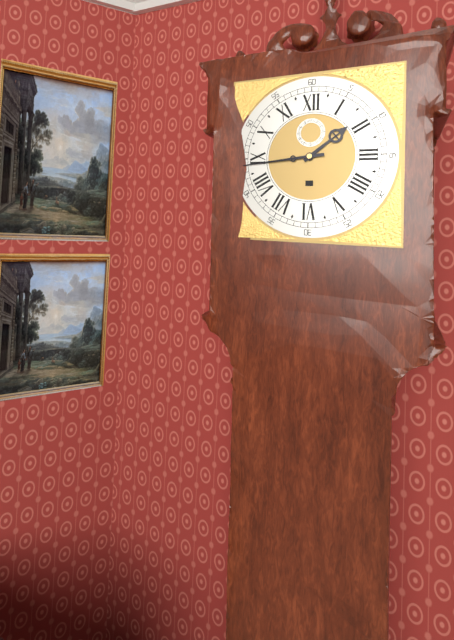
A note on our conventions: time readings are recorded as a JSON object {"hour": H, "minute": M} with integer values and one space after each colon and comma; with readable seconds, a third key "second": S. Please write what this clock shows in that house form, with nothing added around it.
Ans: {"hour": 1, "minute": 44}
